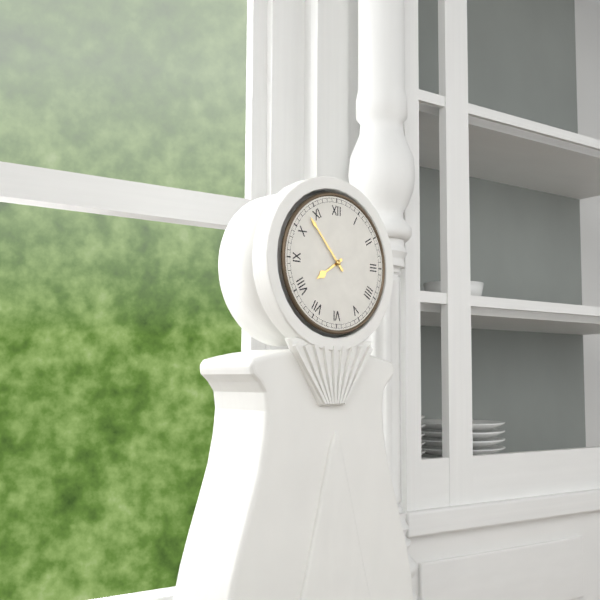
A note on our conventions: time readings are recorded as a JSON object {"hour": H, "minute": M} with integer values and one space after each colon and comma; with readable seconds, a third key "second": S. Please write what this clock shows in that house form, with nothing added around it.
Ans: {"hour": 7, "minute": 53}
